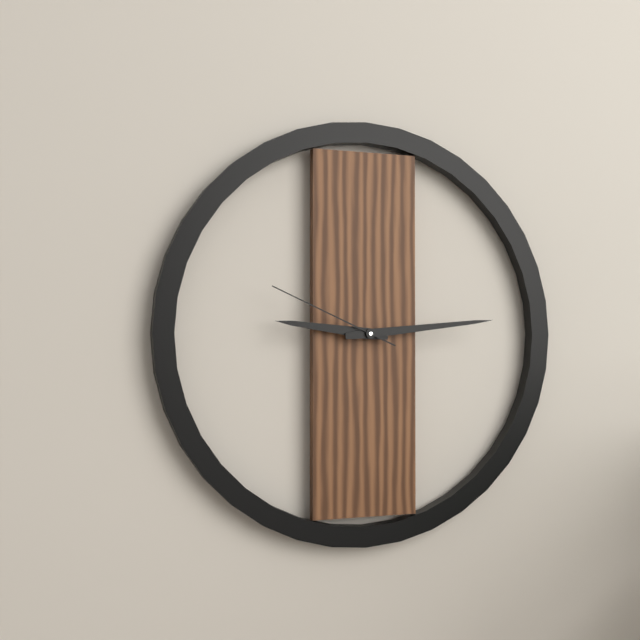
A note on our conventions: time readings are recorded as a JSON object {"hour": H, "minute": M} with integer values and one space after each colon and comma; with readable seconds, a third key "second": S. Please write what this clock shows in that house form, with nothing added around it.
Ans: {"hour": 9, "minute": 14, "second": 49}
